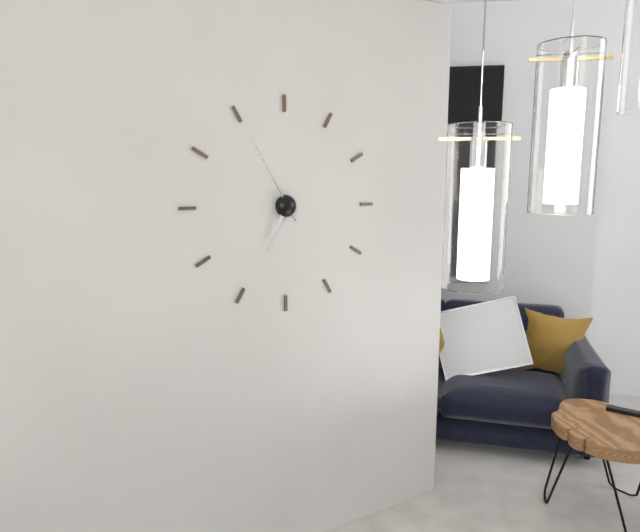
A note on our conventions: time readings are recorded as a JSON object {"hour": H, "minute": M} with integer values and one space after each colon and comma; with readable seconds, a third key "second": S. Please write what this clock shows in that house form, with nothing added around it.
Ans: {"hour": 6, "minute": 55}
